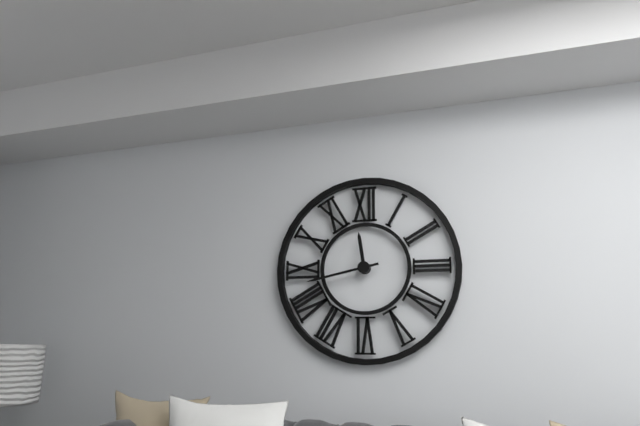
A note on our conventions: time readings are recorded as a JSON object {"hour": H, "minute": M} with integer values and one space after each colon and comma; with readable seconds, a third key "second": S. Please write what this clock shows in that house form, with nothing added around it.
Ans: {"hour": 11, "minute": 43}
